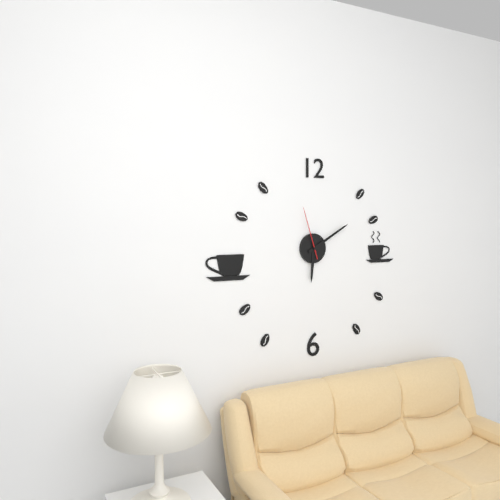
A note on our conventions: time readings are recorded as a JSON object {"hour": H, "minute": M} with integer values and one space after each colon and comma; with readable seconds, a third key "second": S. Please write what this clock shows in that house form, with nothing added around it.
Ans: {"hour": 6, "minute": 10, "second": 57}
